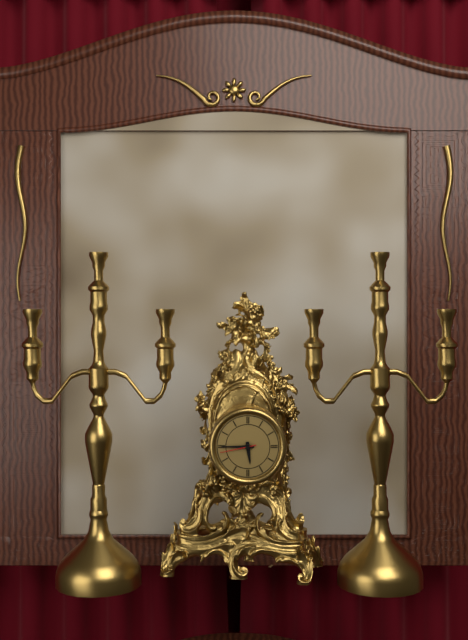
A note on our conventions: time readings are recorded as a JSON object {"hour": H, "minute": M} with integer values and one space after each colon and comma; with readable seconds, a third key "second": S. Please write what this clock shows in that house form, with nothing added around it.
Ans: {"hour": 5, "minute": 45}
